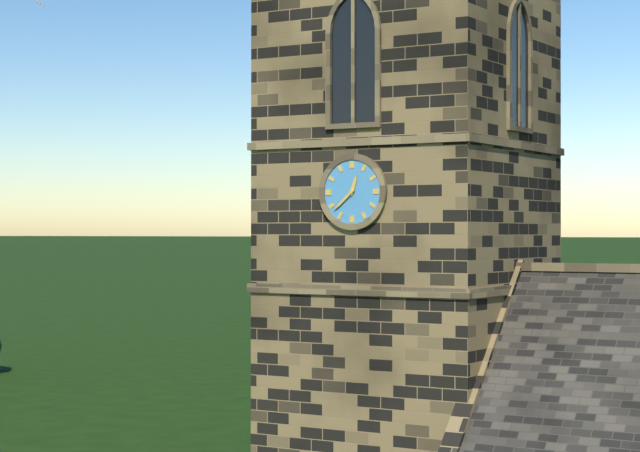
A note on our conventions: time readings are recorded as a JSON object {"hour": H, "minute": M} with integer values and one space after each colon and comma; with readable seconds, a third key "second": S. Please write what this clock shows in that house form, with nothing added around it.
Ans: {"hour": 12, "minute": 38}
